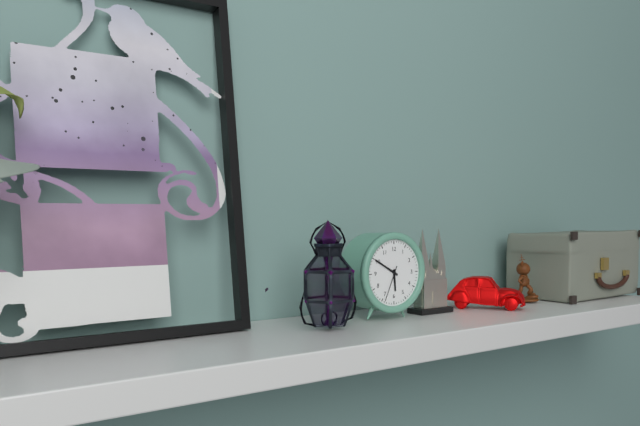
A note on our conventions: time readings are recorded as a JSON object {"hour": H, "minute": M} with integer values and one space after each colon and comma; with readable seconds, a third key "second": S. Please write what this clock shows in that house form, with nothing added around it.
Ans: {"hour": 5, "minute": 50}
